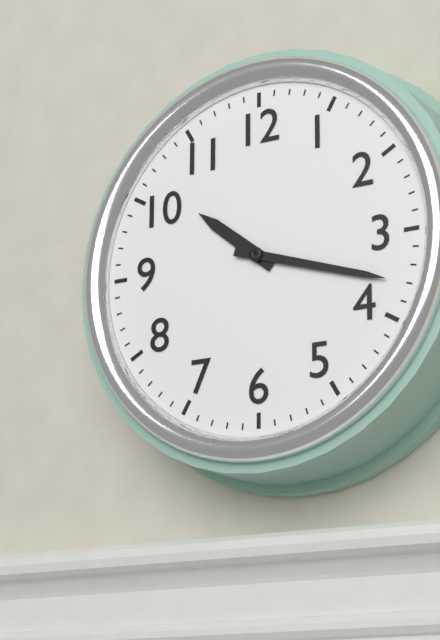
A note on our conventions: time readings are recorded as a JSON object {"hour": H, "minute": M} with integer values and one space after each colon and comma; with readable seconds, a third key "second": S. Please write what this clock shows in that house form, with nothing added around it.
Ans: {"hour": 10, "minute": 18}
